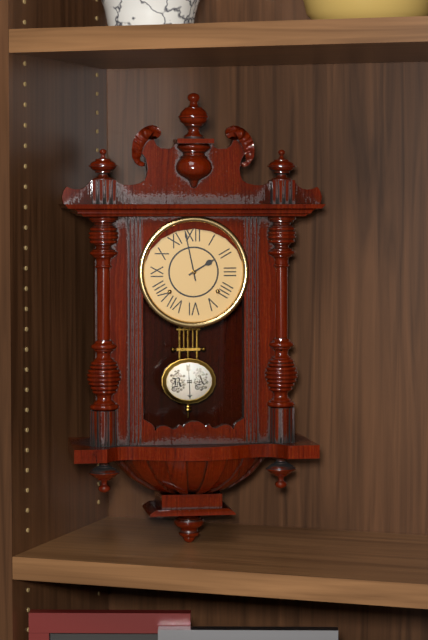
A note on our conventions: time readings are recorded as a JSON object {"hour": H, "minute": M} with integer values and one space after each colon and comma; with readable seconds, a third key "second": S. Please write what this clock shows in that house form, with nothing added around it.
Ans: {"hour": 1, "minute": 58}
